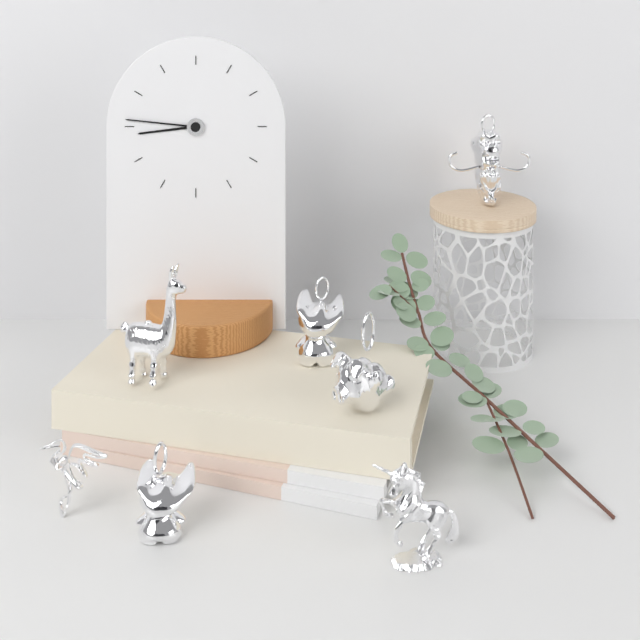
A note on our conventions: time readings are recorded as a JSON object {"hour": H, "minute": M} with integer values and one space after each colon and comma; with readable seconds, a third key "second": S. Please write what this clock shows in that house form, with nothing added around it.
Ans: {"hour": 8, "minute": 46}
